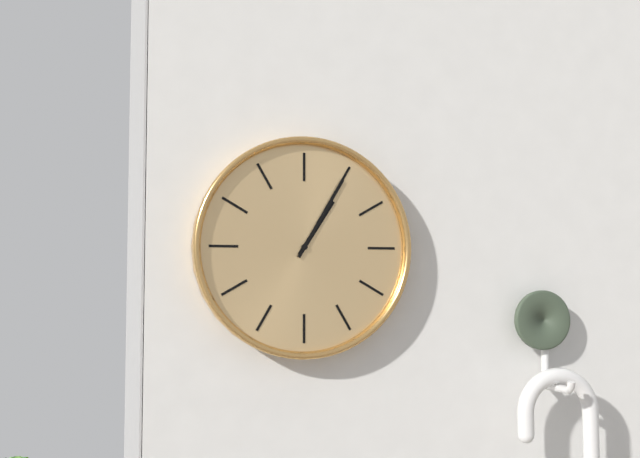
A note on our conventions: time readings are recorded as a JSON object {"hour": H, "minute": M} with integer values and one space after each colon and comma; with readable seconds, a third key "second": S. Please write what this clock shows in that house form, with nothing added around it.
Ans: {"hour": 1, "minute": 5}
